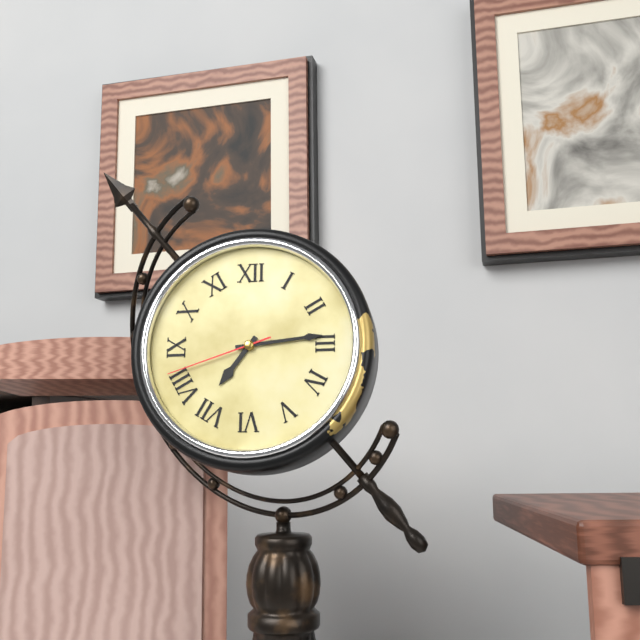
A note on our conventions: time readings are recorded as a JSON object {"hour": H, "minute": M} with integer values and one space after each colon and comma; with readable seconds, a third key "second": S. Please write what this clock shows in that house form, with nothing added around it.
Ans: {"hour": 7, "minute": 14, "second": 42}
